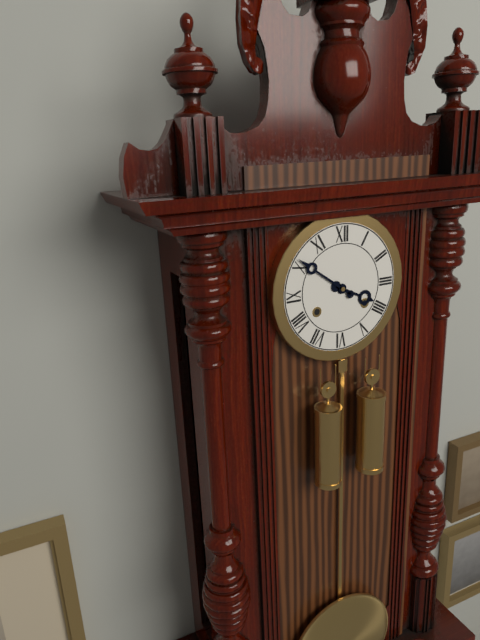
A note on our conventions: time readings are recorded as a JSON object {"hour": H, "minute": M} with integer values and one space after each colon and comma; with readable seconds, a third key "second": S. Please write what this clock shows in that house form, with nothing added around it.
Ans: {"hour": 3, "minute": 51}
